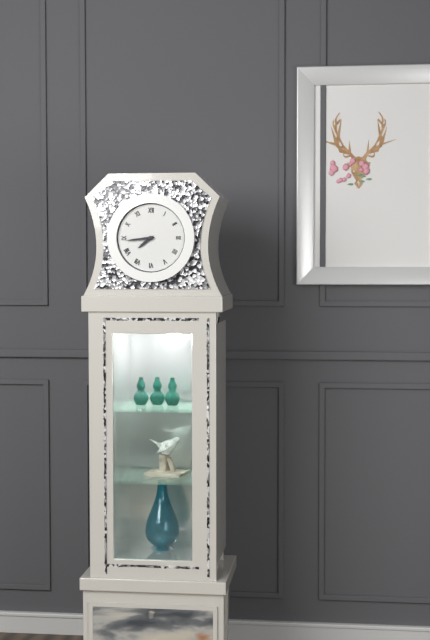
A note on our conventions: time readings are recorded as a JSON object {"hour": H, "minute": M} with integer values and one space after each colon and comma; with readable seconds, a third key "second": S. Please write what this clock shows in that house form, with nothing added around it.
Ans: {"hour": 7, "minute": 44}
